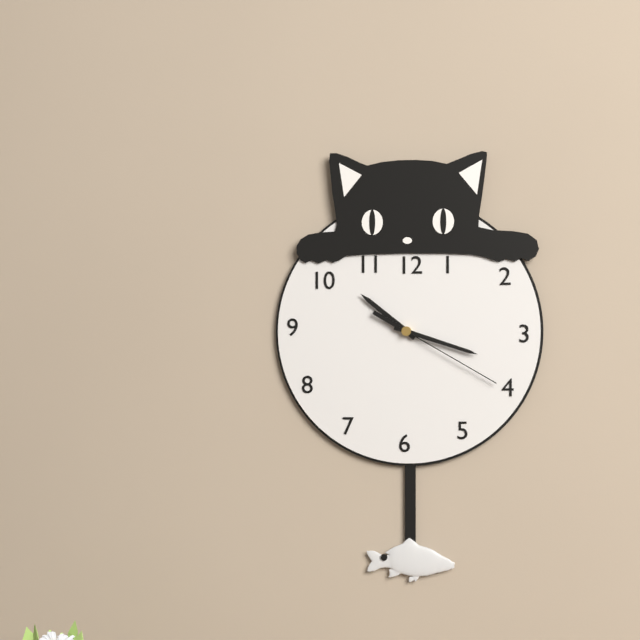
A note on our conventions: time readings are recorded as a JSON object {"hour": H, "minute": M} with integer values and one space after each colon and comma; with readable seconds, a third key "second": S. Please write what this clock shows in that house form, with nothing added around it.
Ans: {"hour": 10, "minute": 18, "second": 20}
